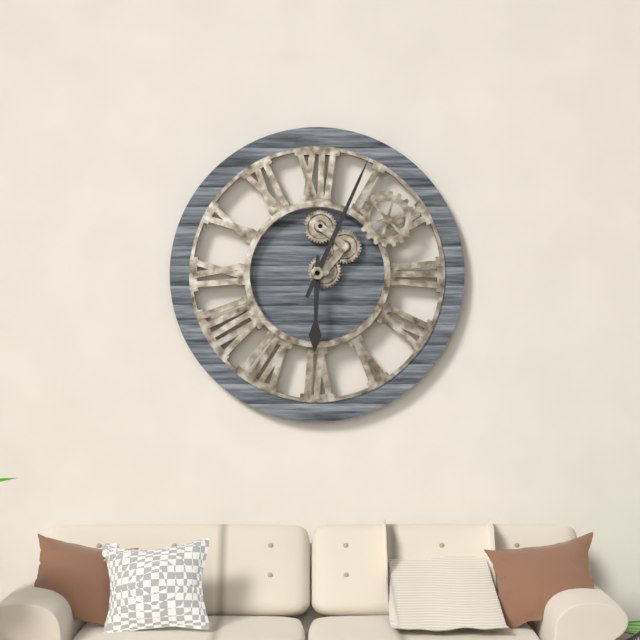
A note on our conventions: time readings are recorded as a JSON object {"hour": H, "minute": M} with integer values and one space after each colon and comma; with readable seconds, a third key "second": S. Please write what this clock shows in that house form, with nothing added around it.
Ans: {"hour": 6, "minute": 4}
